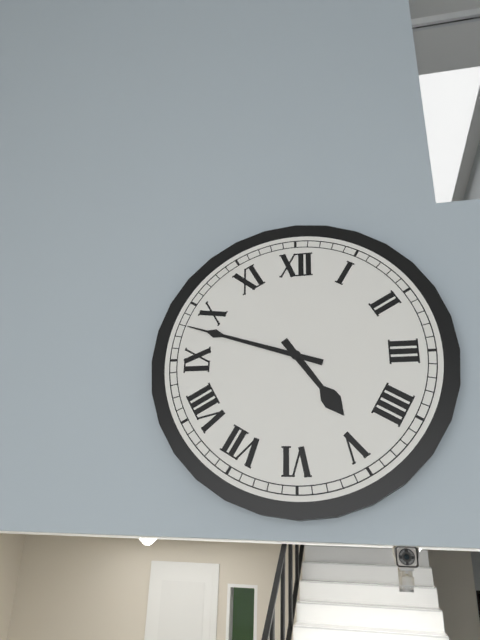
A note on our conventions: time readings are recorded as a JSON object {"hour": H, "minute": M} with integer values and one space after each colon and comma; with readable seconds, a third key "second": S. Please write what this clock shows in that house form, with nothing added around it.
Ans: {"hour": 4, "minute": 48}
